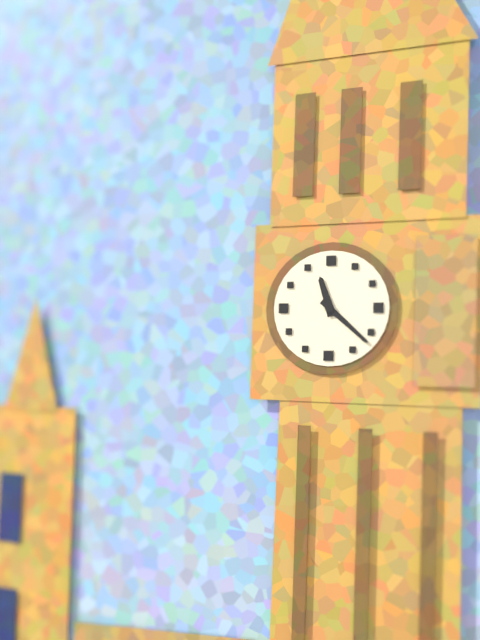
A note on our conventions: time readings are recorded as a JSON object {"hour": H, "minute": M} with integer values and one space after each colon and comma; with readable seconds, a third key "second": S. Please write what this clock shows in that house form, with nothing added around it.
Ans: {"hour": 11, "minute": 22}
